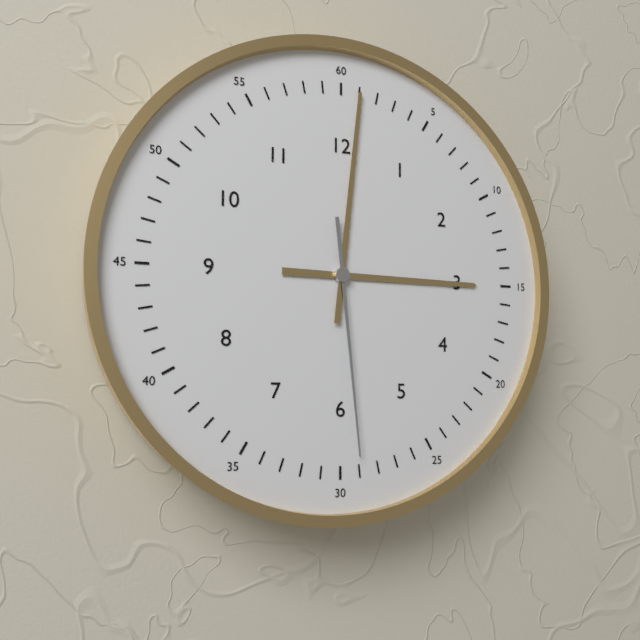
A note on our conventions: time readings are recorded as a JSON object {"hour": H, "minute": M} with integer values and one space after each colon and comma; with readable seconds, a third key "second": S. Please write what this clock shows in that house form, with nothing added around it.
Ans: {"hour": 3, "minute": 1, "second": 29}
